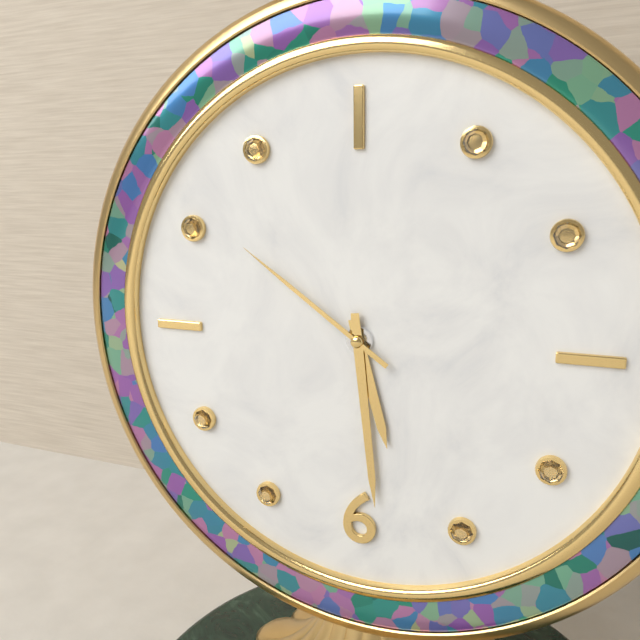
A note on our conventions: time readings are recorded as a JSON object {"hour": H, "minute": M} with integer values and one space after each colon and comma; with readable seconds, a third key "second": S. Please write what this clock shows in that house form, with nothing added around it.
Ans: {"hour": 5, "minute": 29, "second": 51}
